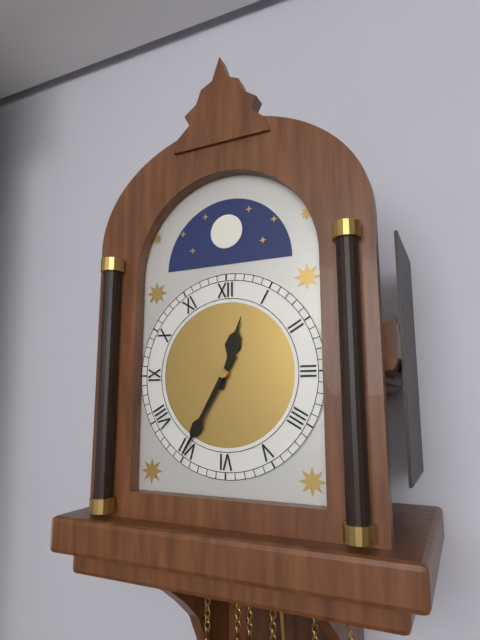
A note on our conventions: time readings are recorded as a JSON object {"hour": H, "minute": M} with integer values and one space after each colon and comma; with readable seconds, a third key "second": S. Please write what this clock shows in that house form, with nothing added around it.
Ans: {"hour": 12, "minute": 35}
